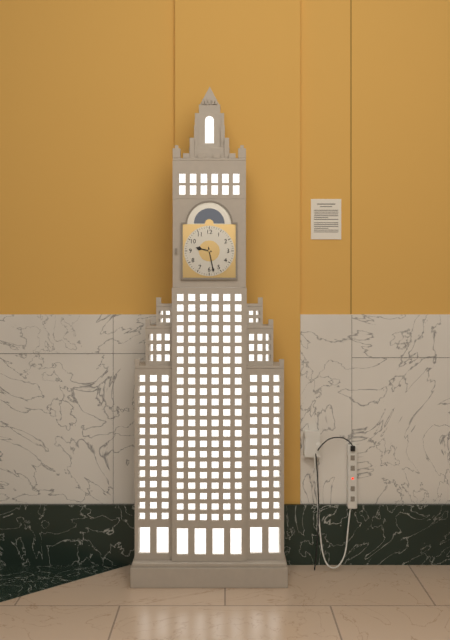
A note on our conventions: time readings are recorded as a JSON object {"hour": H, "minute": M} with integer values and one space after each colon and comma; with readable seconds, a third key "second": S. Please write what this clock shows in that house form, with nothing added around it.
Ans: {"hour": 9, "minute": 28}
